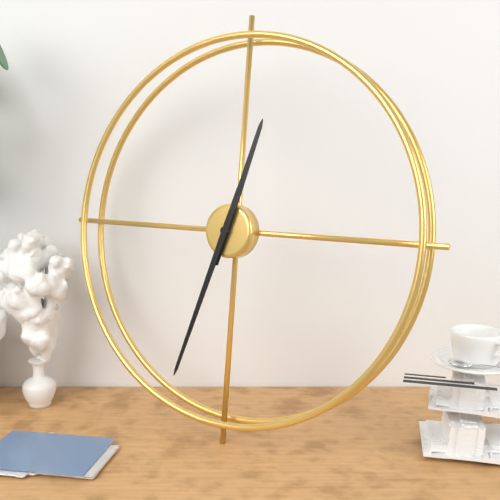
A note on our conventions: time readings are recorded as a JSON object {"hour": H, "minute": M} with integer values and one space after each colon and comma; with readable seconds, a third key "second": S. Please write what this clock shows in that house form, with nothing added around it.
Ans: {"hour": 12, "minute": 33}
